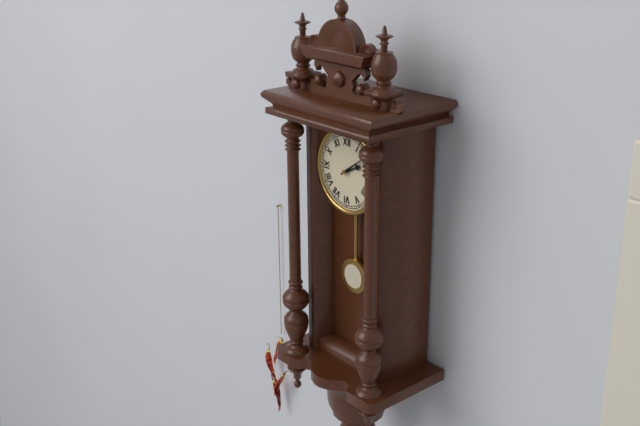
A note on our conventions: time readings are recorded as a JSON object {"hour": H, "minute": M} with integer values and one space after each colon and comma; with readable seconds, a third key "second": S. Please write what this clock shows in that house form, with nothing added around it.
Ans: {"hour": 2, "minute": 9}
